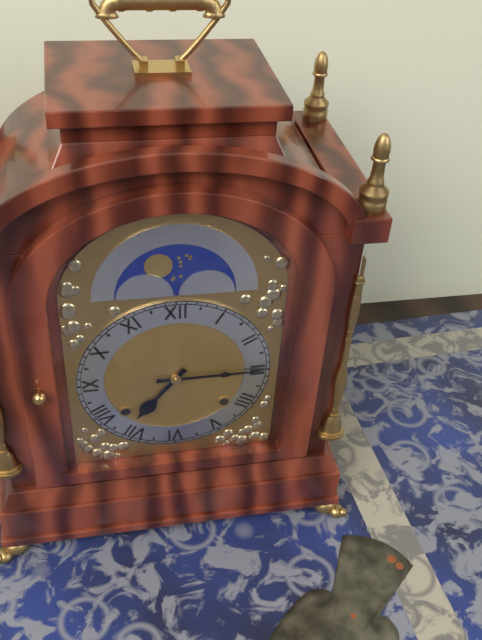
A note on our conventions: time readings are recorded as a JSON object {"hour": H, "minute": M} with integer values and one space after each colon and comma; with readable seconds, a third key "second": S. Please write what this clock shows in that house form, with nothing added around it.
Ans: {"hour": 7, "minute": 15}
